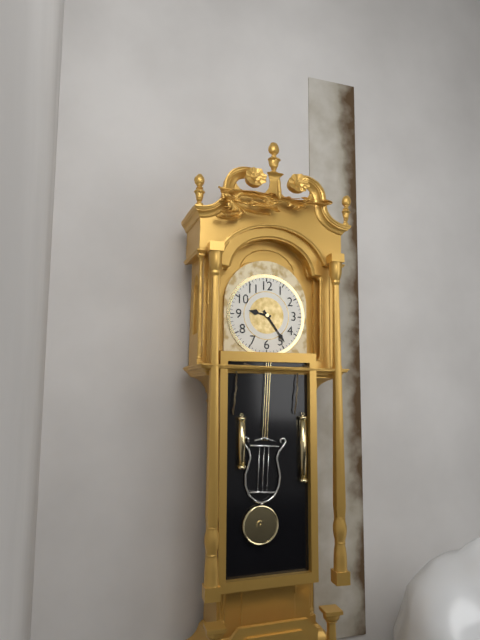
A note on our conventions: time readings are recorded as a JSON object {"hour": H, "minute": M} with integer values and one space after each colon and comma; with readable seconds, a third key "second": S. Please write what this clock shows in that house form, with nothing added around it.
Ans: {"hour": 9, "minute": 24}
